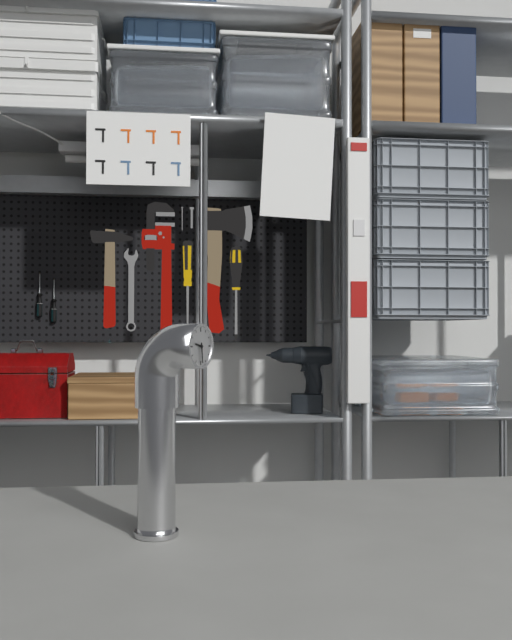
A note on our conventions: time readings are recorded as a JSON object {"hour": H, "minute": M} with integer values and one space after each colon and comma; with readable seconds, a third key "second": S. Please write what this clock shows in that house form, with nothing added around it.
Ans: {"hour": 9, "minute": 29}
